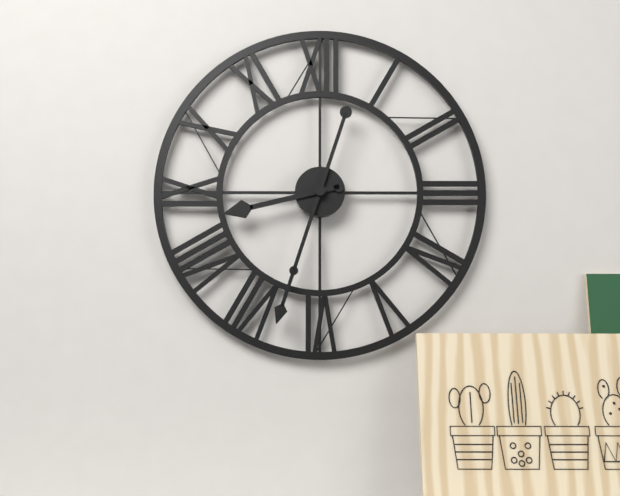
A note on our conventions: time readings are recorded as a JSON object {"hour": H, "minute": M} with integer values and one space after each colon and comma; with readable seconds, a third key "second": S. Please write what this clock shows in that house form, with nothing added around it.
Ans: {"hour": 8, "minute": 33}
